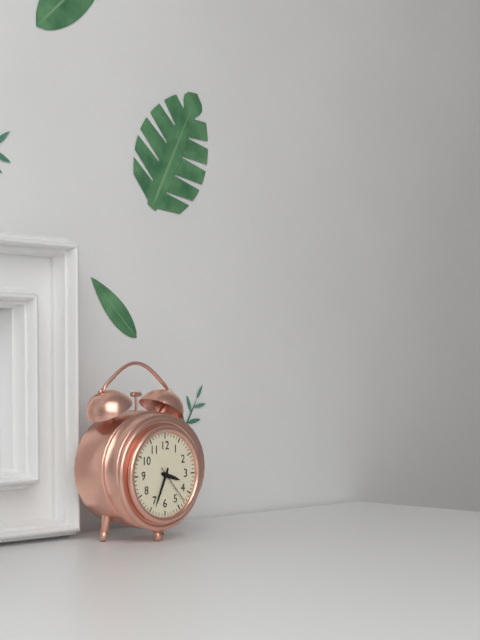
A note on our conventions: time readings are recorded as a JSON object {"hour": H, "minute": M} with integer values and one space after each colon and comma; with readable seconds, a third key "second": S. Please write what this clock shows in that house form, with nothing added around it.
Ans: {"hour": 3, "minute": 34}
